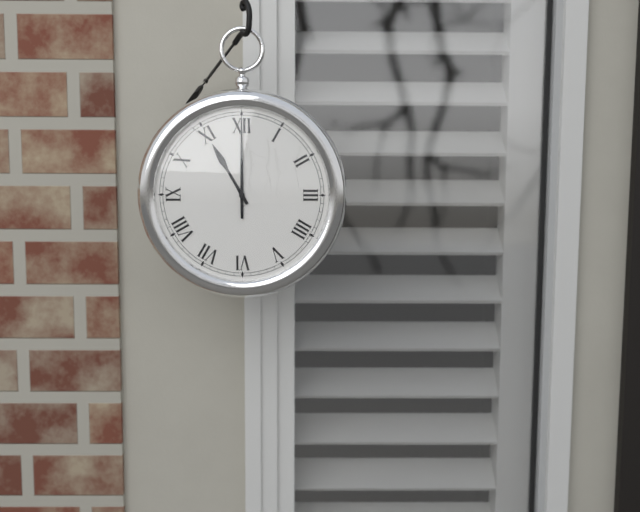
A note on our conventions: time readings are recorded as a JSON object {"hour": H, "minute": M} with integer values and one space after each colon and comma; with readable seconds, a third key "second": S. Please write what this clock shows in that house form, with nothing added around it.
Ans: {"hour": 11, "minute": 0}
